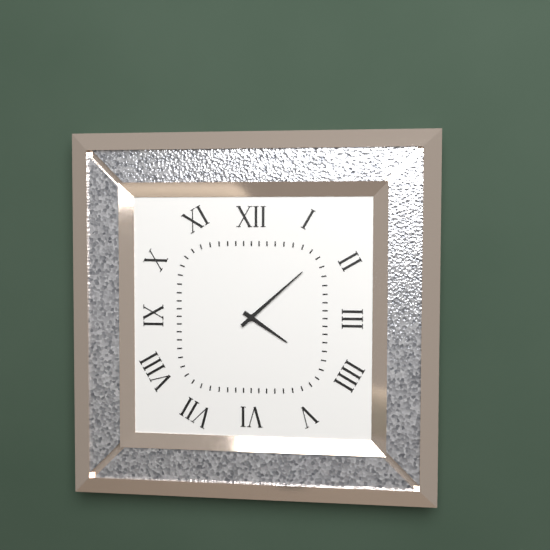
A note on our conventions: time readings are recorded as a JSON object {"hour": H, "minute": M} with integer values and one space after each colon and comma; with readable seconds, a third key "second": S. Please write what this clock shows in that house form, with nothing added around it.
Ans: {"hour": 4, "minute": 8}
